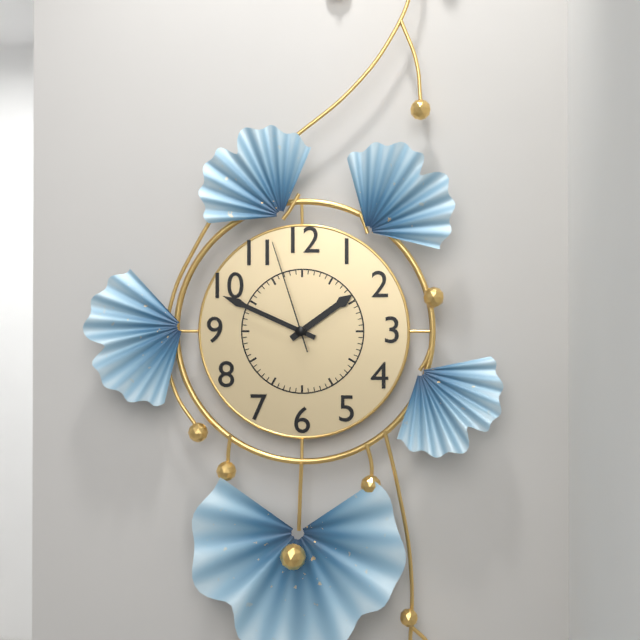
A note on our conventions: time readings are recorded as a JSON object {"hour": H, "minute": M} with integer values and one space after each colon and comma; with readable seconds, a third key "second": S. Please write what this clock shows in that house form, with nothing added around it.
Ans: {"hour": 1, "minute": 49, "second": 57}
